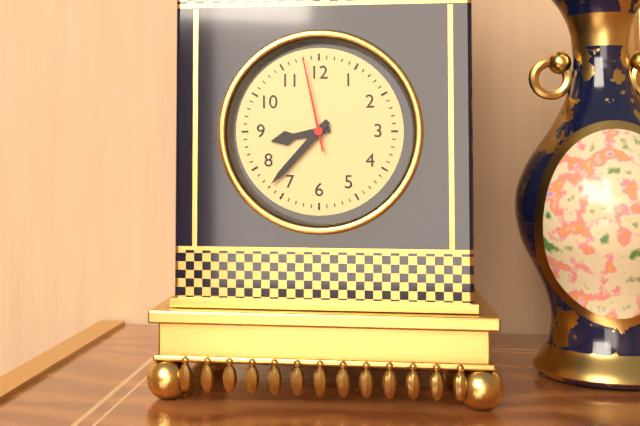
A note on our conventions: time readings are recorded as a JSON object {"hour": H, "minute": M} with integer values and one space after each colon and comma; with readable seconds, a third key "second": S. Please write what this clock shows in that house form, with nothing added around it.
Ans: {"hour": 8, "minute": 37, "second": 58}
